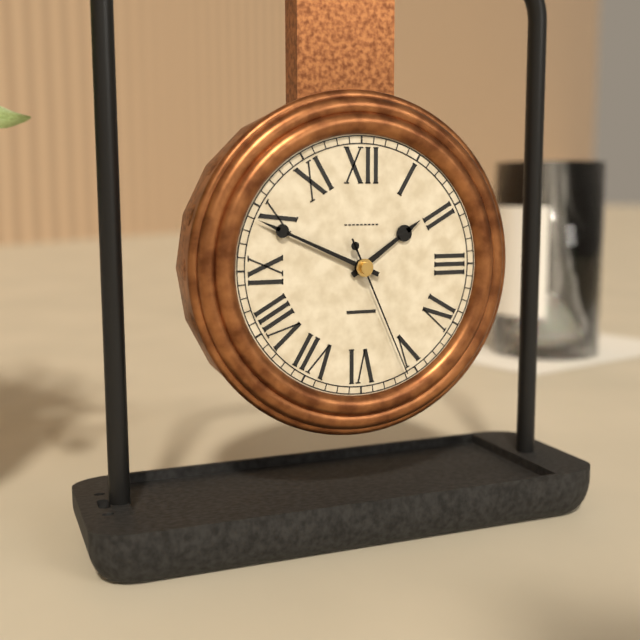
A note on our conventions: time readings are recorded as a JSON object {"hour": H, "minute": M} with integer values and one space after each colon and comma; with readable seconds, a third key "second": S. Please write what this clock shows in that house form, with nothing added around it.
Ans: {"hour": 1, "minute": 49, "second": 26}
